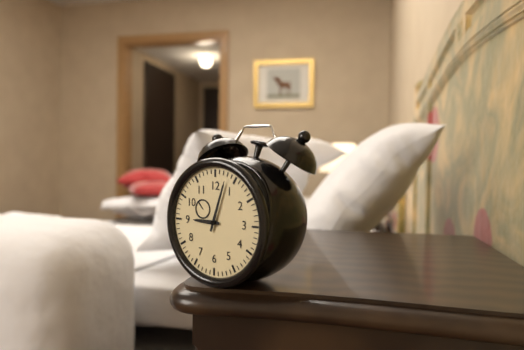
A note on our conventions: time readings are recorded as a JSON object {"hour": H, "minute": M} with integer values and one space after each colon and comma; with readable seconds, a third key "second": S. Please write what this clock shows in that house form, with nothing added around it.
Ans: {"hour": 9, "minute": 3}
